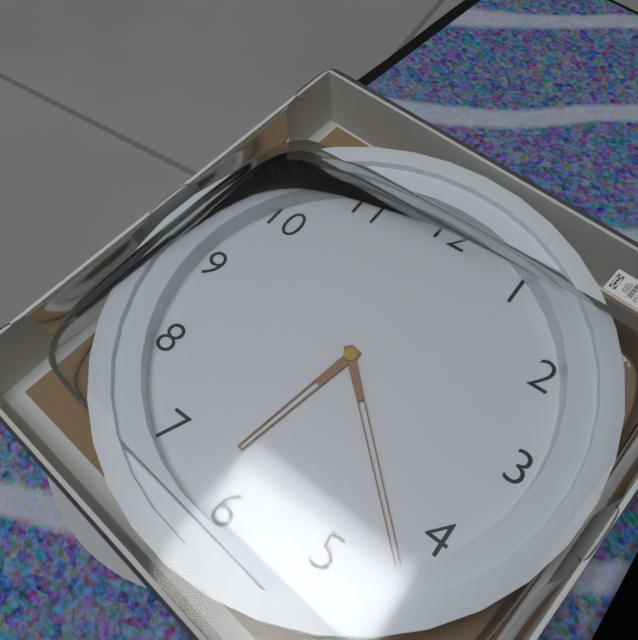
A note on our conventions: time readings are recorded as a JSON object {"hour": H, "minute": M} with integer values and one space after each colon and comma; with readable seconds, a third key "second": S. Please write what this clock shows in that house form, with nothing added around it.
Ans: {"hour": 6, "minute": 22}
